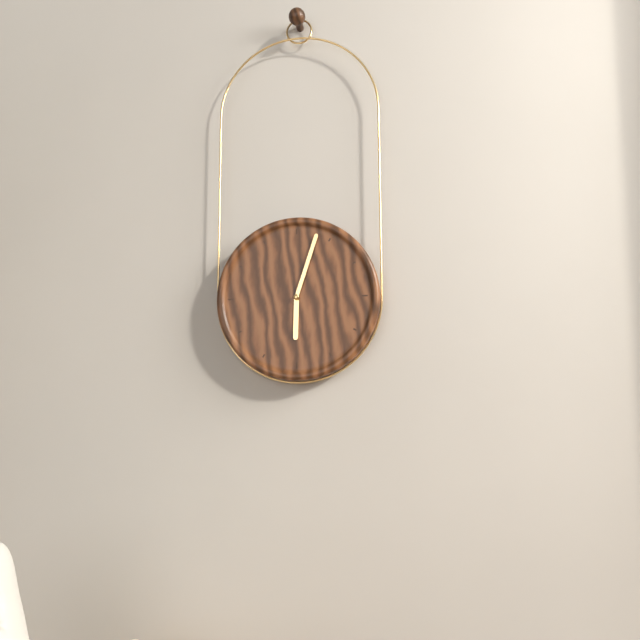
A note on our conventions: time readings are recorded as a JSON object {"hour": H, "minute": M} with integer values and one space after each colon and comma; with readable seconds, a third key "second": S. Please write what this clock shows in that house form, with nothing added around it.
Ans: {"hour": 6, "minute": 3}
